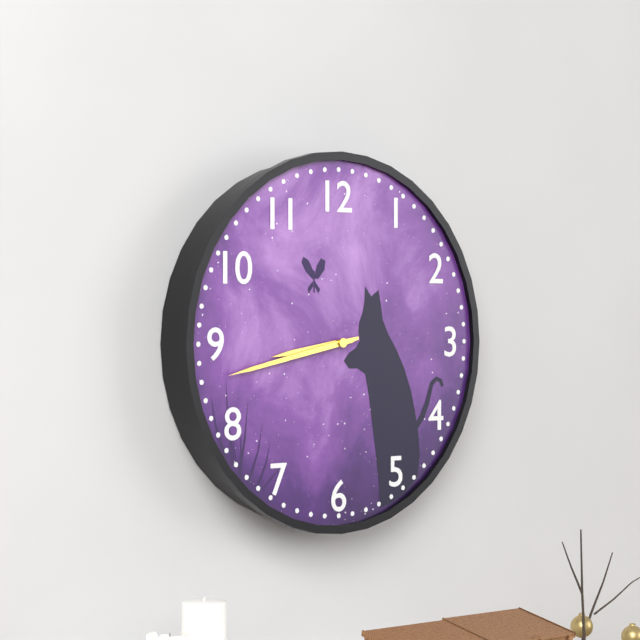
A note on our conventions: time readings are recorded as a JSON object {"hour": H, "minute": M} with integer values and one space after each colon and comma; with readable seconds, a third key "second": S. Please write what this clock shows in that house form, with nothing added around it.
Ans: {"hour": 8, "minute": 43}
